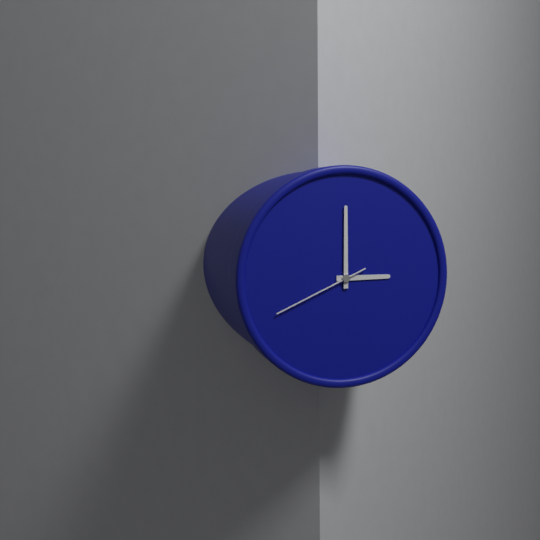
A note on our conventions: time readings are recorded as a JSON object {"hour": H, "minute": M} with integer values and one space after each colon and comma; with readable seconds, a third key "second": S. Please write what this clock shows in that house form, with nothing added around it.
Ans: {"hour": 3, "minute": 0, "second": 41}
